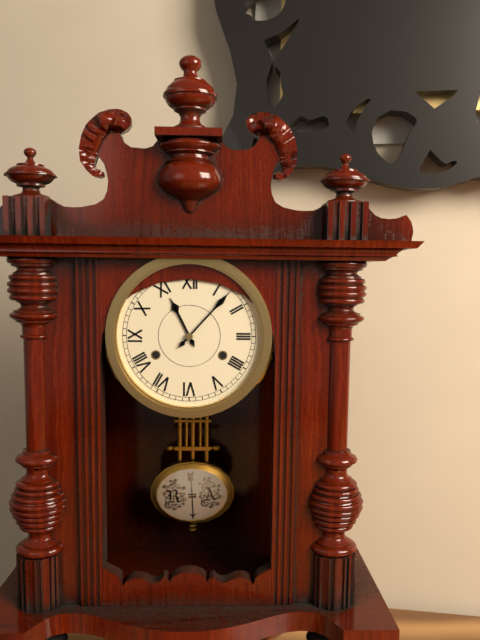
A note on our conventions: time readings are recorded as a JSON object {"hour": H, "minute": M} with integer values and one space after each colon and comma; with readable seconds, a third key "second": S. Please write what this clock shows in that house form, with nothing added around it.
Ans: {"hour": 11, "minute": 7}
